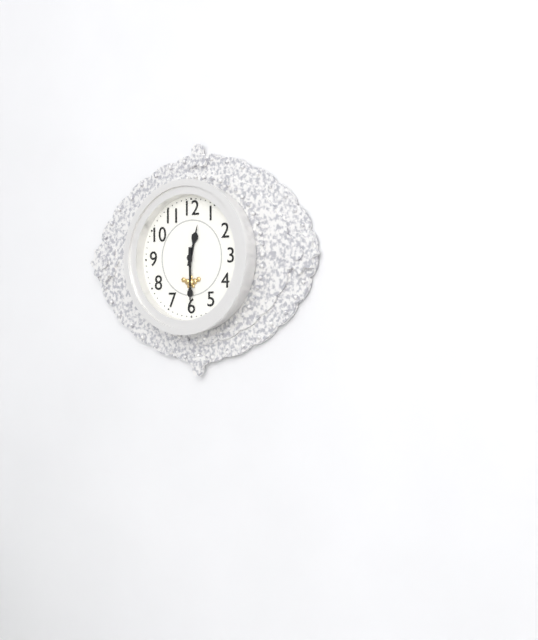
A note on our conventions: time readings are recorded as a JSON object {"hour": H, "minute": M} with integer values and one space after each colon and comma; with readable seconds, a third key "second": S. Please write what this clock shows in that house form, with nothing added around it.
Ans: {"hour": 12, "minute": 30}
